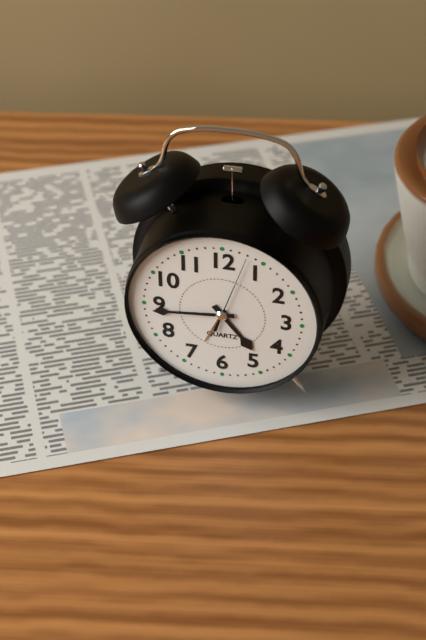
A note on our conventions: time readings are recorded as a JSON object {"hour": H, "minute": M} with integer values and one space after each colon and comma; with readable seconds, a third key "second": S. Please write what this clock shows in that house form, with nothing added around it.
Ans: {"hour": 4, "minute": 44, "second": 3}
